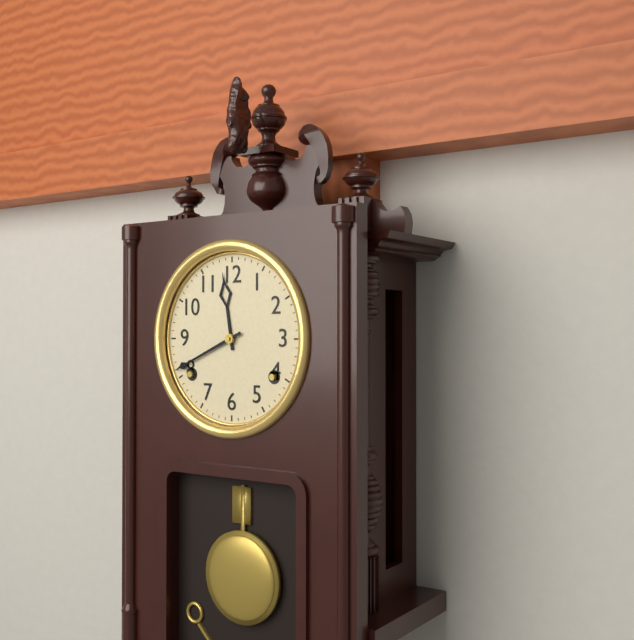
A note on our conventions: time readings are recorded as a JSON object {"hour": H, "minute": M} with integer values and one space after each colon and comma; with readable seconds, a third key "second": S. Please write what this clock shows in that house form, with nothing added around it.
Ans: {"hour": 11, "minute": 41}
